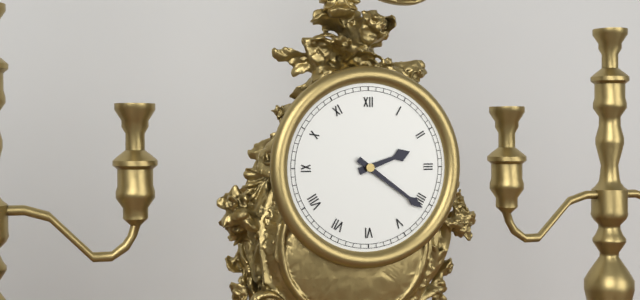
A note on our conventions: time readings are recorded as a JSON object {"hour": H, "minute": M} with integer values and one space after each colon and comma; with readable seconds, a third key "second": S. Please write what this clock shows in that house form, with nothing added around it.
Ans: {"hour": 2, "minute": 21}
